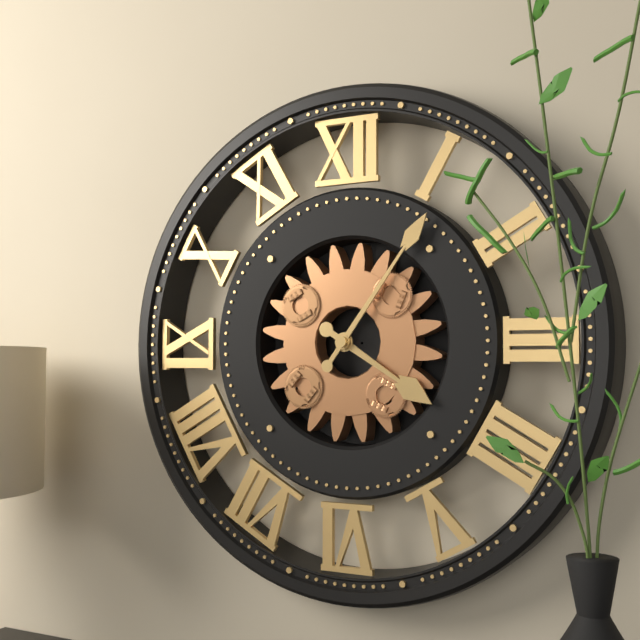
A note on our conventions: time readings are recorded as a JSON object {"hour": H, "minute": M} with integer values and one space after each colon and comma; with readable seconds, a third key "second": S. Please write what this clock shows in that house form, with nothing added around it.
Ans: {"hour": 4, "minute": 6}
